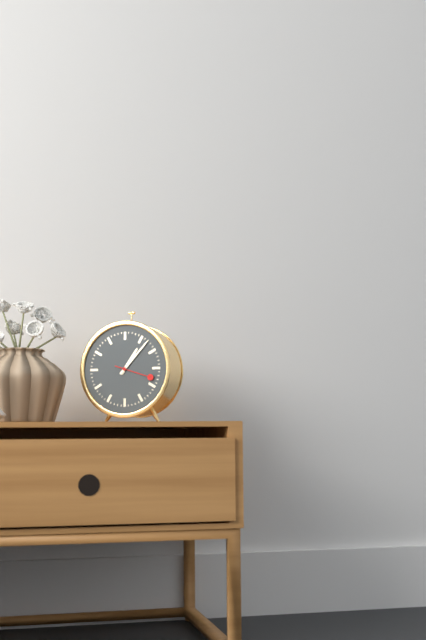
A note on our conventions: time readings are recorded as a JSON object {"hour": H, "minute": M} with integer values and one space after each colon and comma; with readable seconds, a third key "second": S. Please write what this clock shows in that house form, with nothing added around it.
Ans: {"hour": 1, "minute": 7}
